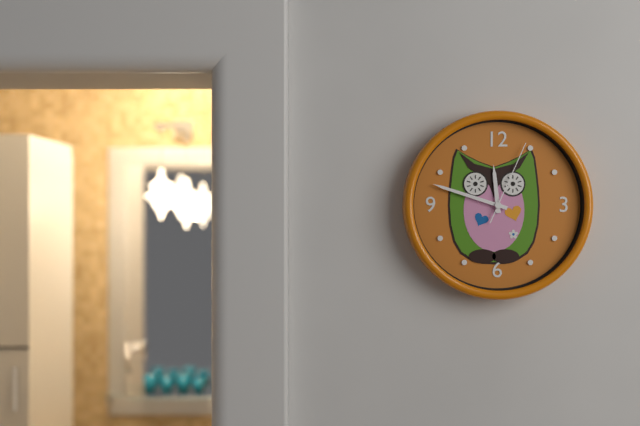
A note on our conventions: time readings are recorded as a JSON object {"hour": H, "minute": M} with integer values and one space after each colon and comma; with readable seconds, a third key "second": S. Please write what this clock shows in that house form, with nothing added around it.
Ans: {"hour": 11, "minute": 48, "second": 4}
